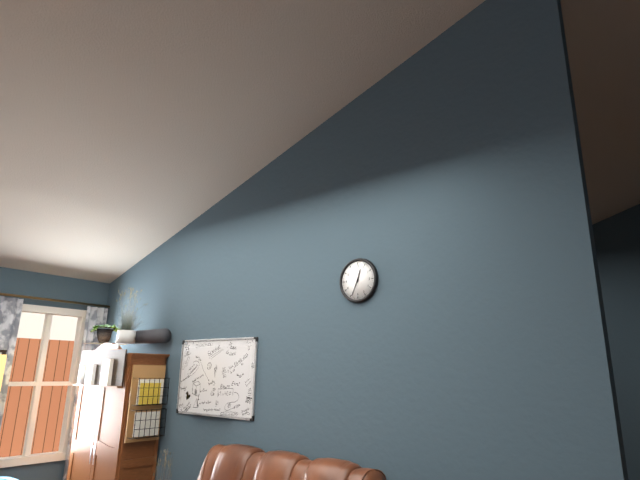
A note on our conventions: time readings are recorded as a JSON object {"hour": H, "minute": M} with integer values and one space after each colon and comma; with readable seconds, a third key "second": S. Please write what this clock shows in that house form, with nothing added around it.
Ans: {"hour": 12, "minute": 34}
